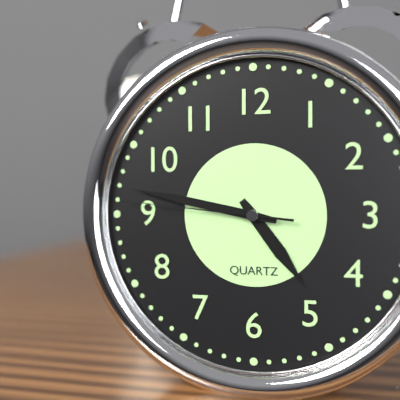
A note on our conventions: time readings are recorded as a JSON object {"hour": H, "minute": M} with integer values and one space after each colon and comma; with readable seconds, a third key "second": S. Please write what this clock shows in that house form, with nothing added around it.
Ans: {"hour": 4, "minute": 47, "second": 46}
